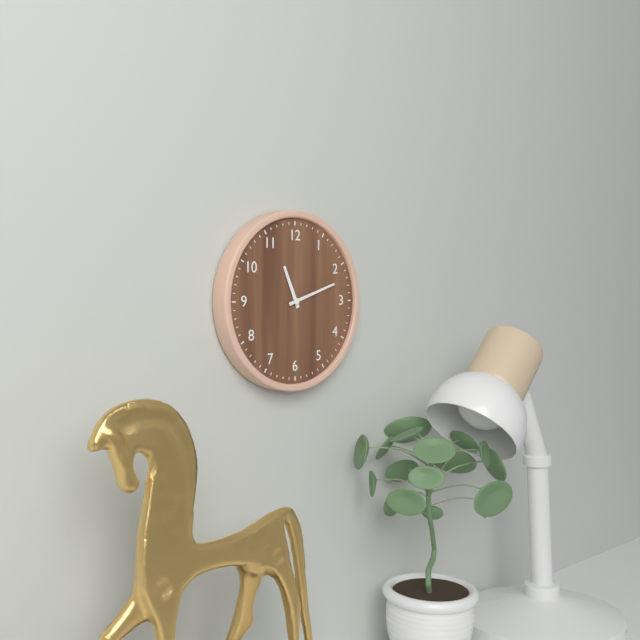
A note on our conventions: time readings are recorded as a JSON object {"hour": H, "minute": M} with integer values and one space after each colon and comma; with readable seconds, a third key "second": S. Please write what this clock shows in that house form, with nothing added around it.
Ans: {"hour": 11, "minute": 12}
